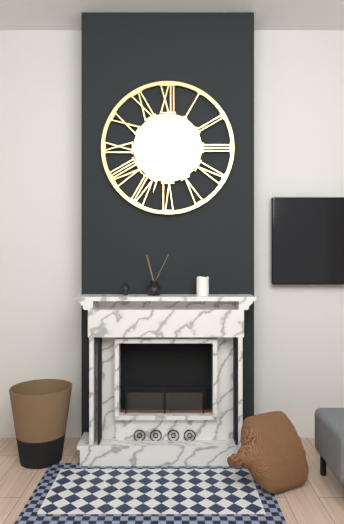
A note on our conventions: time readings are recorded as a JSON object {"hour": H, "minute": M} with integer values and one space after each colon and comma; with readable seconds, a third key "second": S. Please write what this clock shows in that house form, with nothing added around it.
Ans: {"hour": 11, "minute": 33}
